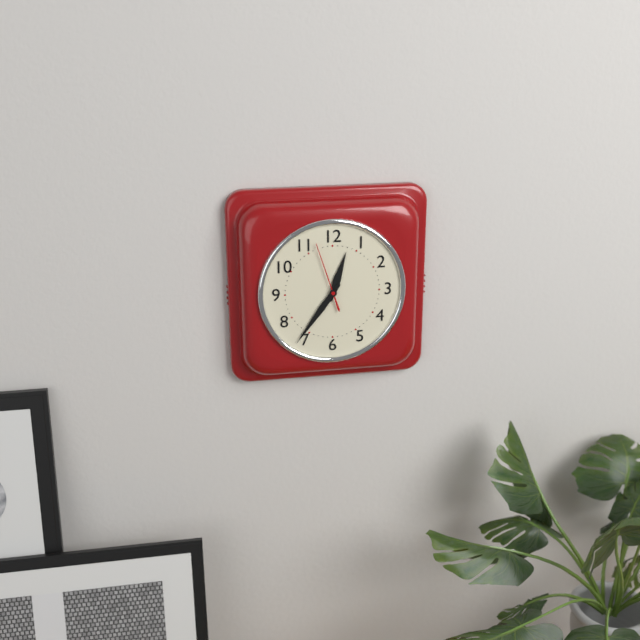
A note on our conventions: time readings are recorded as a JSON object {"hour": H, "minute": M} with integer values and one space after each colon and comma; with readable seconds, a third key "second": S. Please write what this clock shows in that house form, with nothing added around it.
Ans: {"hour": 12, "minute": 36, "second": 57}
